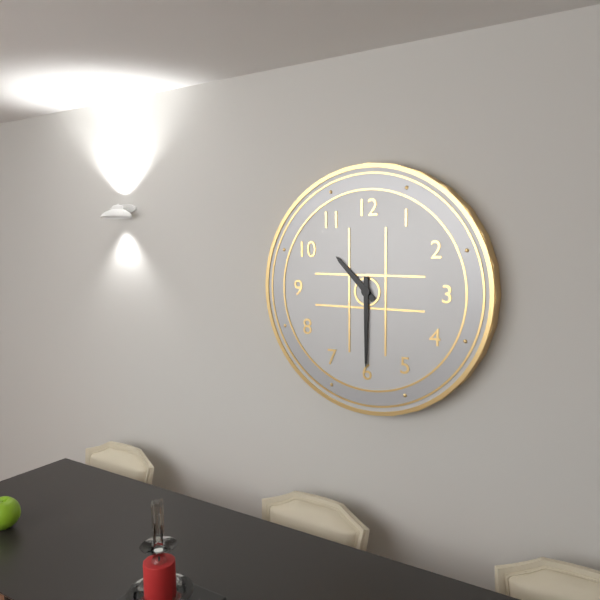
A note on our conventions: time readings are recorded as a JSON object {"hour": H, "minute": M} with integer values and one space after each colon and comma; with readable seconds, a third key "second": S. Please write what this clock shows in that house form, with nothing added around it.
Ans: {"hour": 10, "minute": 30}
